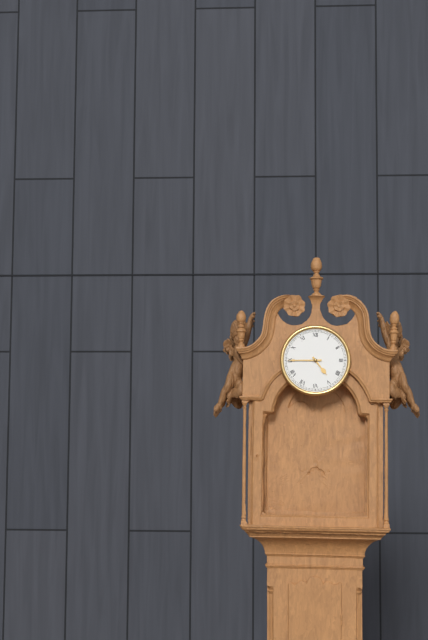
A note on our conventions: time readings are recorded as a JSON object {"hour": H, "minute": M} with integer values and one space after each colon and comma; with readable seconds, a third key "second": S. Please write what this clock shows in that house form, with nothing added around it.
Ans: {"hour": 4, "minute": 45}
